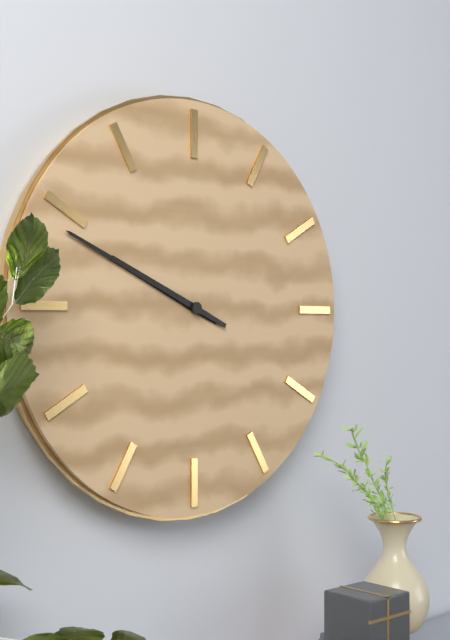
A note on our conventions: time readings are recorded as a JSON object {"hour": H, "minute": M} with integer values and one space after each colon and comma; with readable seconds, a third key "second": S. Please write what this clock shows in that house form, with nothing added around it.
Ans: {"hour": 9, "minute": 49}
